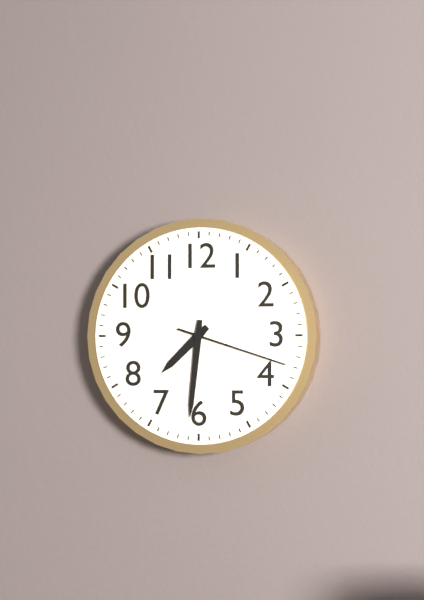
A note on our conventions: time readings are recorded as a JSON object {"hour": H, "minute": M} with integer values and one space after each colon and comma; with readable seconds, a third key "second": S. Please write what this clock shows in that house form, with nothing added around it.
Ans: {"hour": 7, "minute": 31, "second": 18}
